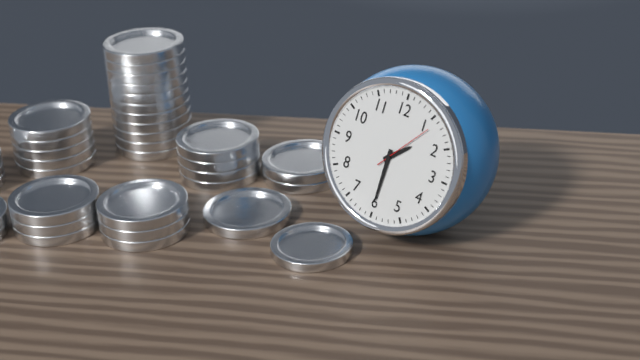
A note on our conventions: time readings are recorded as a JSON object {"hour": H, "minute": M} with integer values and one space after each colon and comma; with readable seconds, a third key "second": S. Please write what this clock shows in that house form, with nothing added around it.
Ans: {"hour": 1, "minute": 30}
